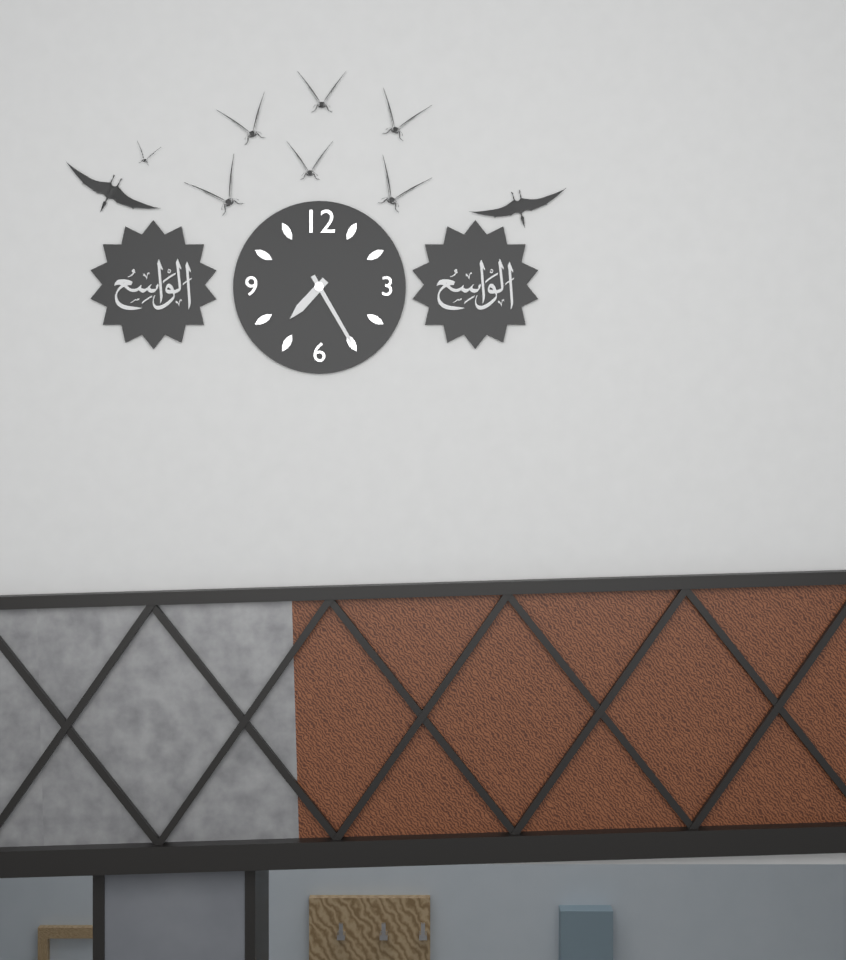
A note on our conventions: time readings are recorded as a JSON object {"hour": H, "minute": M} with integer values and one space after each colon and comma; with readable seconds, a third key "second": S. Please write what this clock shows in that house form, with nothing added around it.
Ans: {"hour": 7, "minute": 25}
